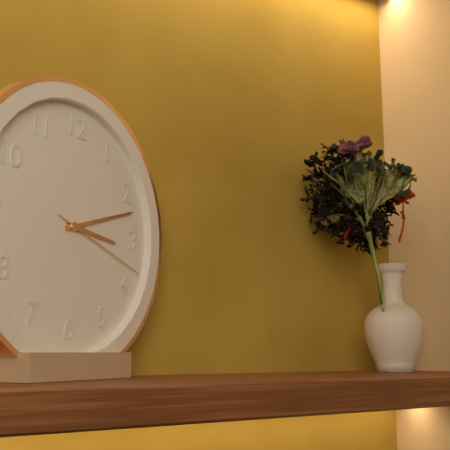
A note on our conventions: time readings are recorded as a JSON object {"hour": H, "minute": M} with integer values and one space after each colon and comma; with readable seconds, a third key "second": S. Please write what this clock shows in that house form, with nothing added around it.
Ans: {"hour": 3, "minute": 12, "second": 18}
